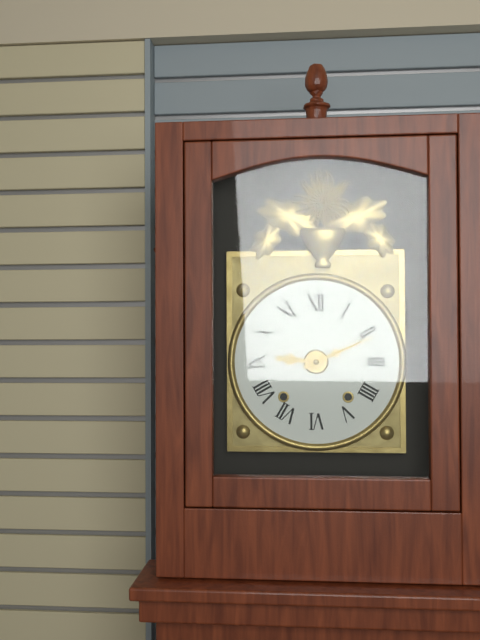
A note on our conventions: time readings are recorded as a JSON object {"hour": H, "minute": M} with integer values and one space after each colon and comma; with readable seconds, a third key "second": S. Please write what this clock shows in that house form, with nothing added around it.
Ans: {"hour": 9, "minute": 11}
